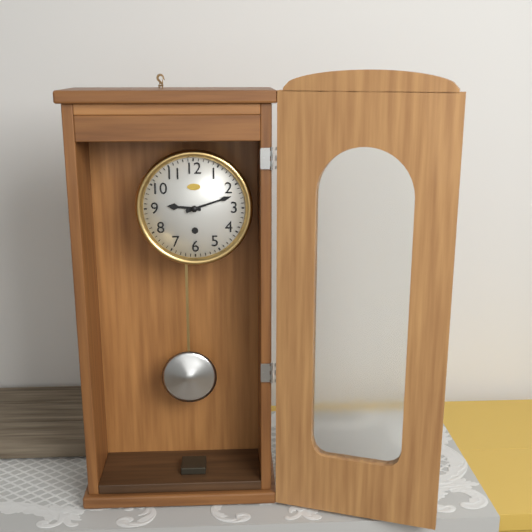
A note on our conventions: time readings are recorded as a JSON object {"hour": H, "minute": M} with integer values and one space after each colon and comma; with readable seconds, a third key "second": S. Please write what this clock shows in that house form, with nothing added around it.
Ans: {"hour": 9, "minute": 12}
